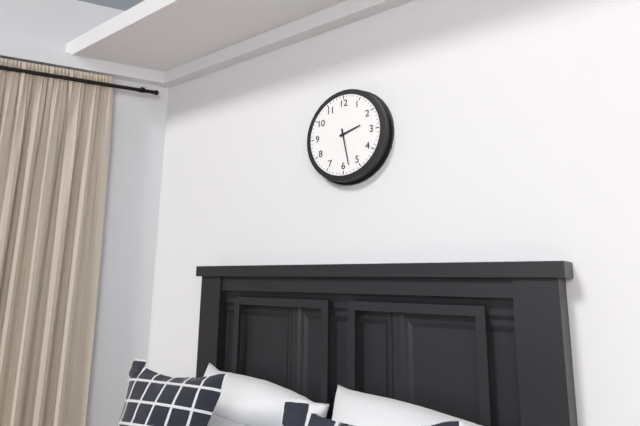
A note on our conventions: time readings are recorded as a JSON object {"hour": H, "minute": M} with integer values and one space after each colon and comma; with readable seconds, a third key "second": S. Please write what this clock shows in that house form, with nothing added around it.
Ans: {"hour": 2, "minute": 28}
